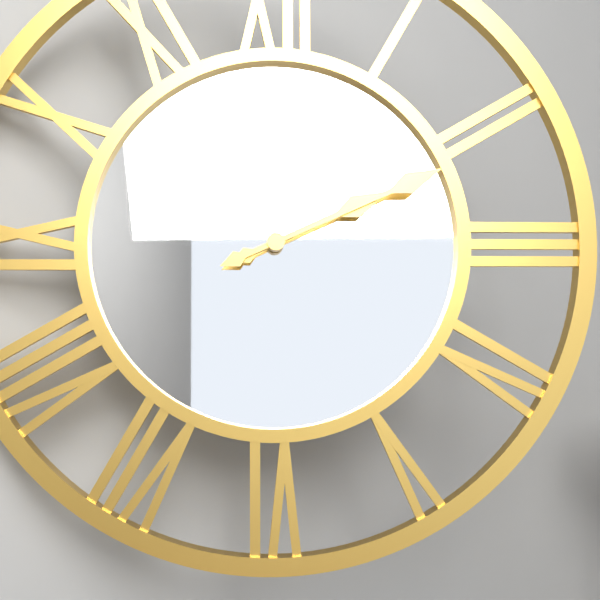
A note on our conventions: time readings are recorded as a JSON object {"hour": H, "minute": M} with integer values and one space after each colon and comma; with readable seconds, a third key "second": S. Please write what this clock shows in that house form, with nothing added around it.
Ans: {"hour": 2, "minute": 11}
